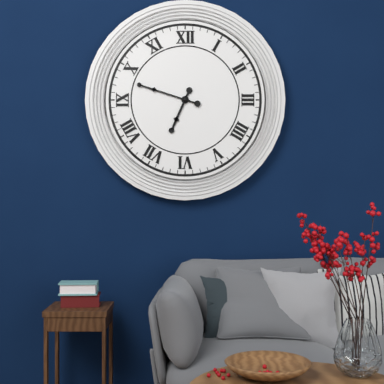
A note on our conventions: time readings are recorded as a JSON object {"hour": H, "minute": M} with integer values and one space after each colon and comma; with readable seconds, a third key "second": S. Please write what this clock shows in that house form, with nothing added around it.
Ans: {"hour": 6, "minute": 48}
